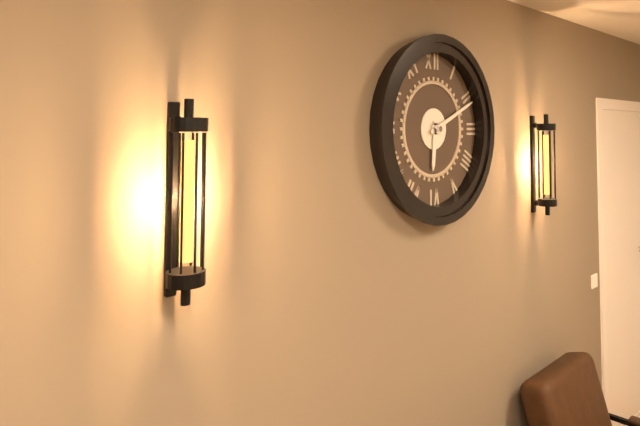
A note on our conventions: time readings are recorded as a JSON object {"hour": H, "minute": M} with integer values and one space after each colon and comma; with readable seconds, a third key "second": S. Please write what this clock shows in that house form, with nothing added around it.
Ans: {"hour": 6, "minute": 11}
